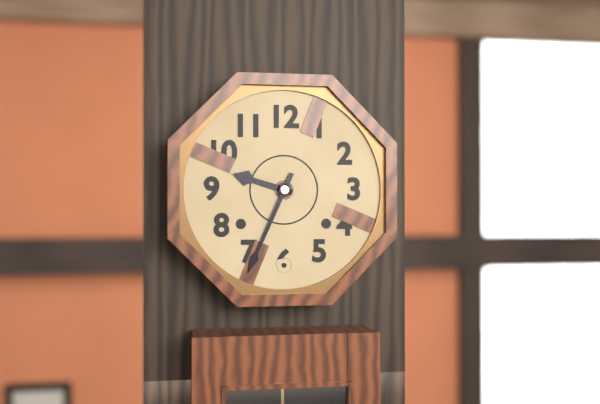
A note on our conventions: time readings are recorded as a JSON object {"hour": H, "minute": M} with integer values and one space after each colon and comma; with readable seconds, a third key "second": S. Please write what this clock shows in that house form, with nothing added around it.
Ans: {"hour": 9, "minute": 34}
